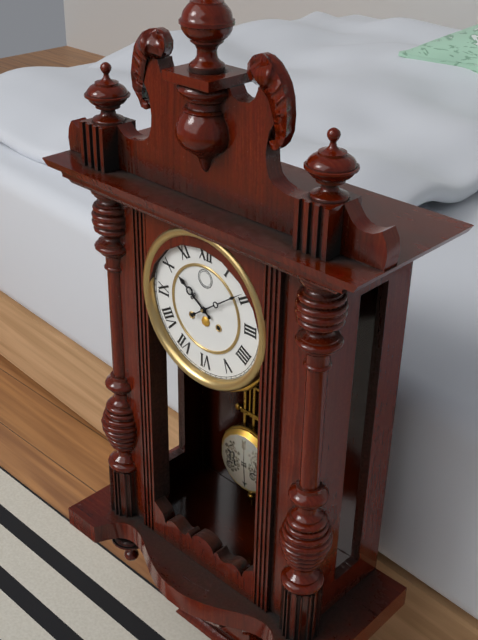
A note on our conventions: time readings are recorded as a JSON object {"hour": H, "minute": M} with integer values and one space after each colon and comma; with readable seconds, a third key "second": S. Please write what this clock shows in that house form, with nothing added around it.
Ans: {"hour": 10, "minute": 9}
